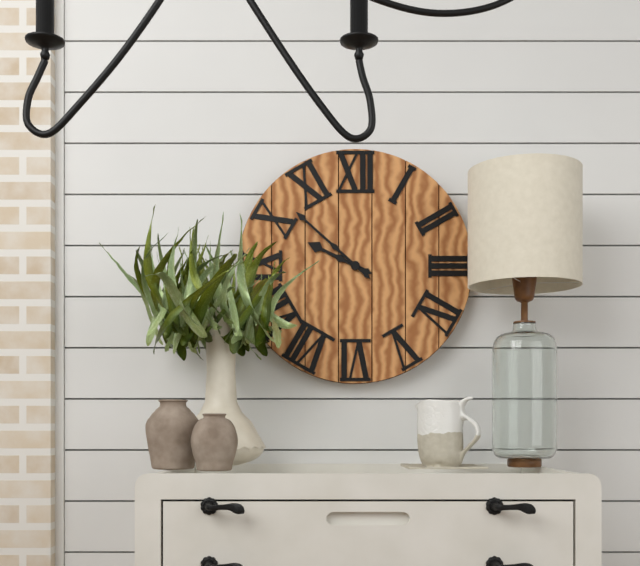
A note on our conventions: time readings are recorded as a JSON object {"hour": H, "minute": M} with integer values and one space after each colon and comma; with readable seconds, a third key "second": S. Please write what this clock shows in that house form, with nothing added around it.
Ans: {"hour": 9, "minute": 52}
